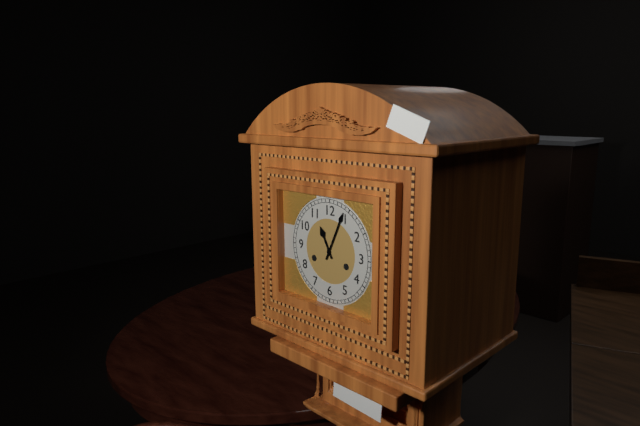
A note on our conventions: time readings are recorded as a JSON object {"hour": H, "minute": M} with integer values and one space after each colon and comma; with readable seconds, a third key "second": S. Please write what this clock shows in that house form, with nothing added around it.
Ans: {"hour": 11, "minute": 4}
